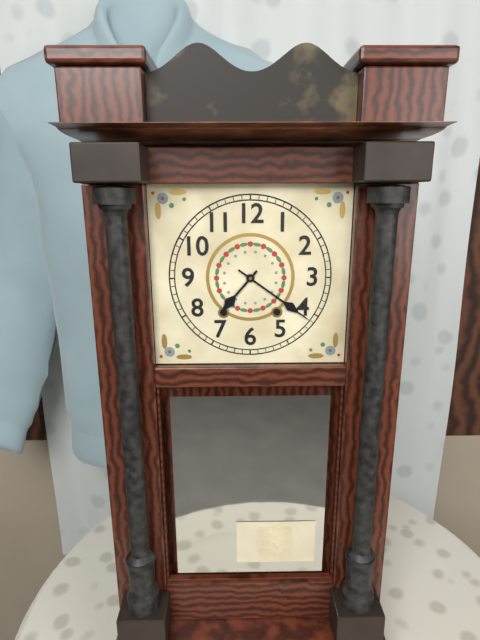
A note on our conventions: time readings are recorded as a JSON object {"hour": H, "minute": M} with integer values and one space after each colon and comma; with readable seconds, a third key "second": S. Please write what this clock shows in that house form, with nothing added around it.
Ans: {"hour": 7, "minute": 21}
